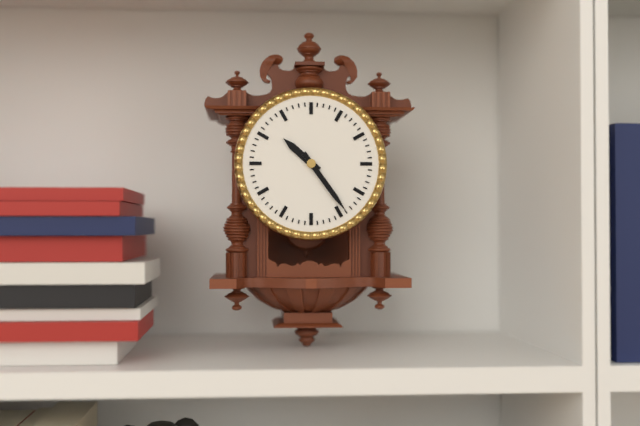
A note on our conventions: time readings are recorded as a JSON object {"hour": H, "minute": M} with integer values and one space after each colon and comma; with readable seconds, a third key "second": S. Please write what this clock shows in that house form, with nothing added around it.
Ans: {"hour": 10, "minute": 24}
